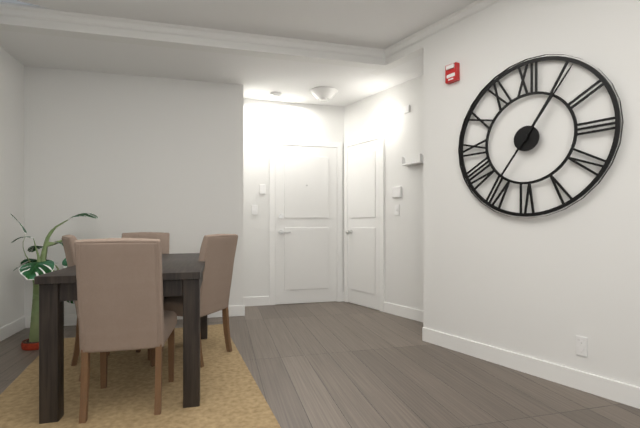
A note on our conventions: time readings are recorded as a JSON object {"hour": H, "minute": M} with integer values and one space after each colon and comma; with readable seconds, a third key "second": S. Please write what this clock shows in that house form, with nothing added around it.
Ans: {"hour": 1, "minute": 6}
